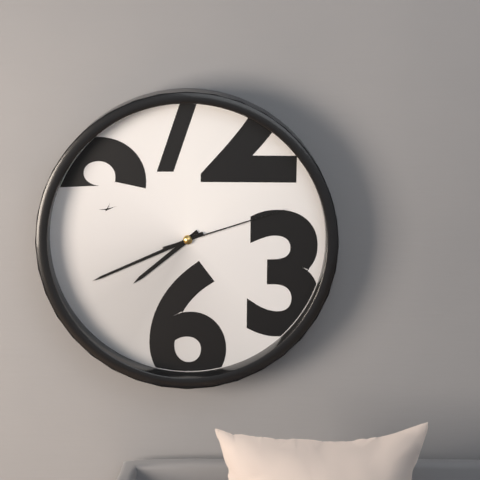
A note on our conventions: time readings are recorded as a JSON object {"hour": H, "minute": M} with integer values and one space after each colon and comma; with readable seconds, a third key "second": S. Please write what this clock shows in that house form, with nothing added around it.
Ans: {"hour": 7, "minute": 41, "second": 12}
